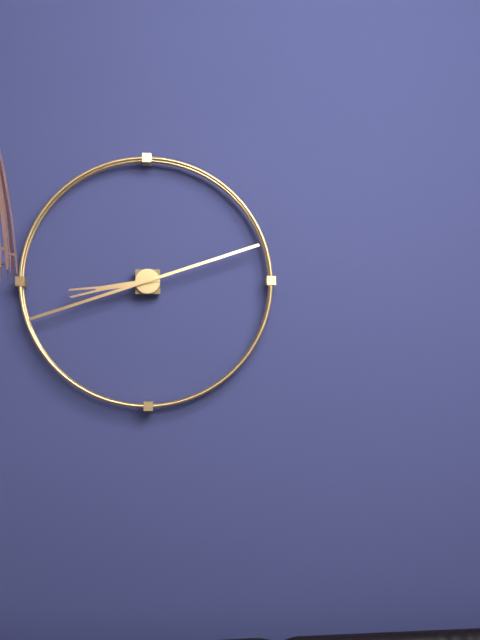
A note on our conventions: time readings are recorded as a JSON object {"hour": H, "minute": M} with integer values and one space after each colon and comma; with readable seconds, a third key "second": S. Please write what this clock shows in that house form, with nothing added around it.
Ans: {"hour": 8, "minute": 42}
